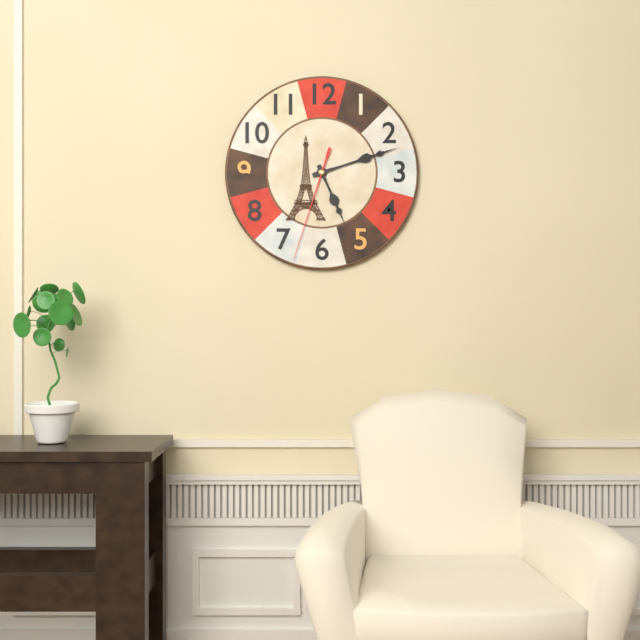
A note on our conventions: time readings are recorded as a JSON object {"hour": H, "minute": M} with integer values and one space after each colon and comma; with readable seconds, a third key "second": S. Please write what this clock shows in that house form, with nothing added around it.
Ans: {"hour": 5, "minute": 12, "second": 33}
